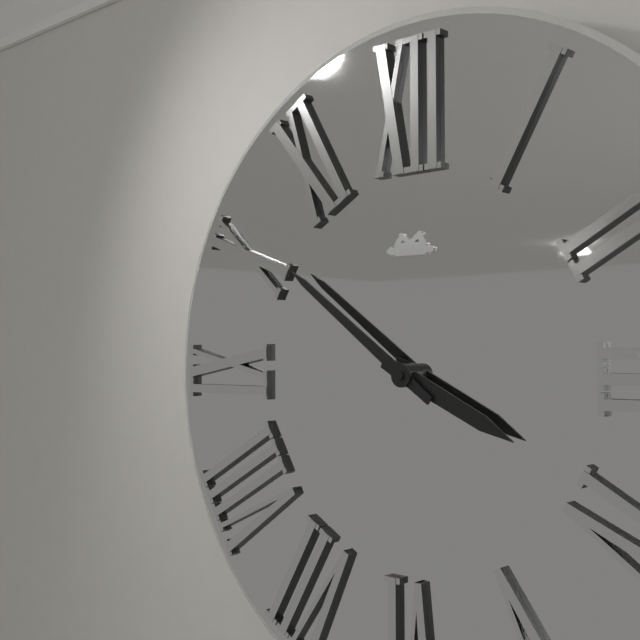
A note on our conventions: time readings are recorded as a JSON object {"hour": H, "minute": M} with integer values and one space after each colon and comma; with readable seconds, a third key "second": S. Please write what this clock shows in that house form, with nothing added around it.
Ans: {"hour": 3, "minute": 51}
